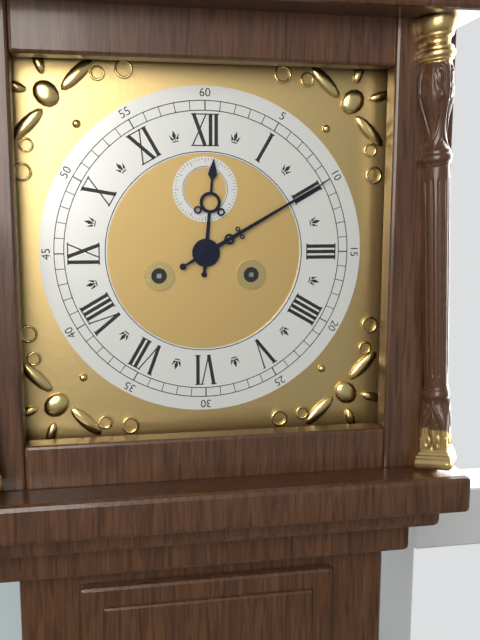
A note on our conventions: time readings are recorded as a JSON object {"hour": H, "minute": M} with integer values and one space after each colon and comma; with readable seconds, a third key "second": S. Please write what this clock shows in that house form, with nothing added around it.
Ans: {"hour": 12, "minute": 10}
